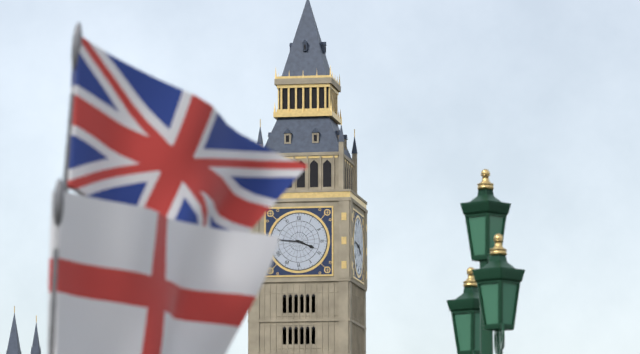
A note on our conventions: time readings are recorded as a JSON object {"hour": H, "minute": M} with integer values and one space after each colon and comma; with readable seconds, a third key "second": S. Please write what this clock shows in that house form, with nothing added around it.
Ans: {"hour": 3, "minute": 46}
